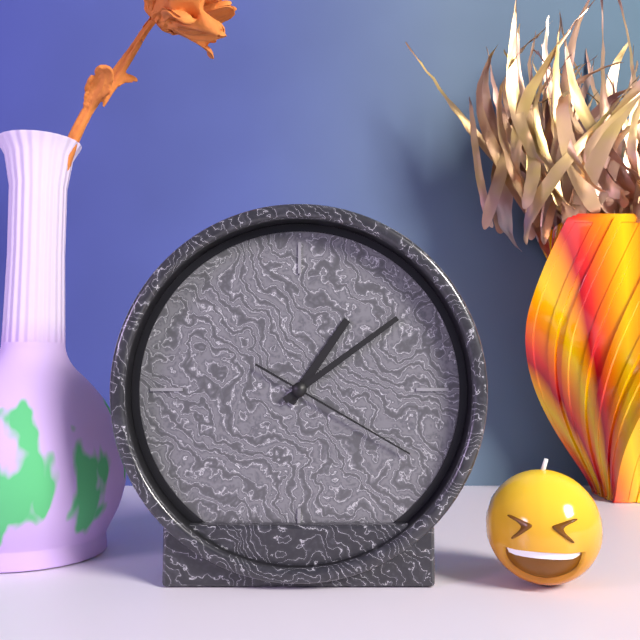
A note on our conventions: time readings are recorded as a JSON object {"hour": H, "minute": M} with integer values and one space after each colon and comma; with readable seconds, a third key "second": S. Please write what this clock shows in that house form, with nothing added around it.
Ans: {"hour": 1, "minute": 9, "second": 20}
